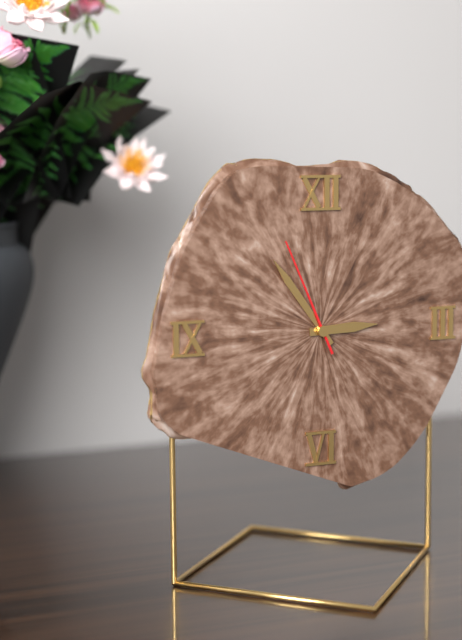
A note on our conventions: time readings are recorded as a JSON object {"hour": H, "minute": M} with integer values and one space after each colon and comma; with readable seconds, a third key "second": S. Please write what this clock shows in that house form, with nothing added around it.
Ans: {"hour": 2, "minute": 54, "second": 56}
